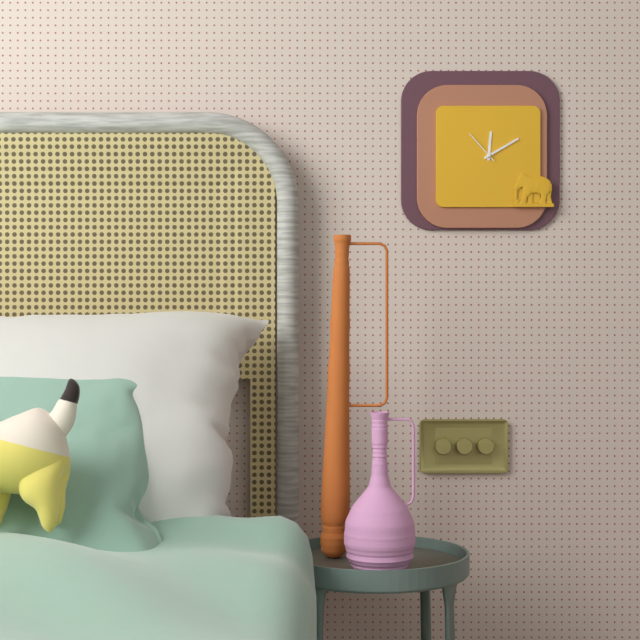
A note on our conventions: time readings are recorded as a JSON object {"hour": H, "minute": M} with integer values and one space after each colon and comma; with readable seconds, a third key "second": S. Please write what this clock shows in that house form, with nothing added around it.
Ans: {"hour": 12, "minute": 10}
